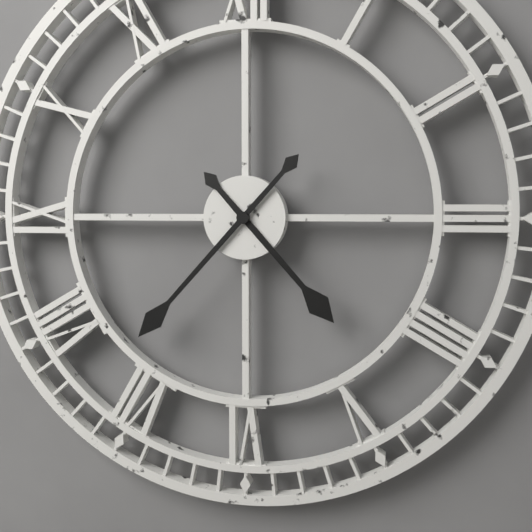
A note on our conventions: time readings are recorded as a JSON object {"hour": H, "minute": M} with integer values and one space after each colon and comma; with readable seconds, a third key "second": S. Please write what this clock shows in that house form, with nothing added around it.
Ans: {"hour": 4, "minute": 37}
